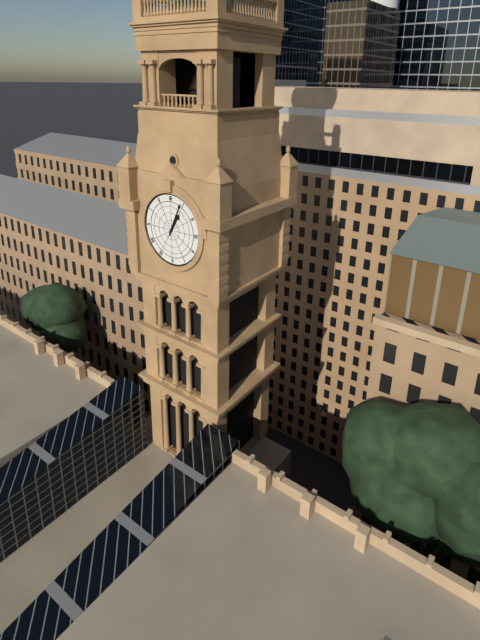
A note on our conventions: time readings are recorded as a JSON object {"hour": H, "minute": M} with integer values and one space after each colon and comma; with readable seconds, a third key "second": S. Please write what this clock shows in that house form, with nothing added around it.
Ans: {"hour": 1, "minute": 4}
